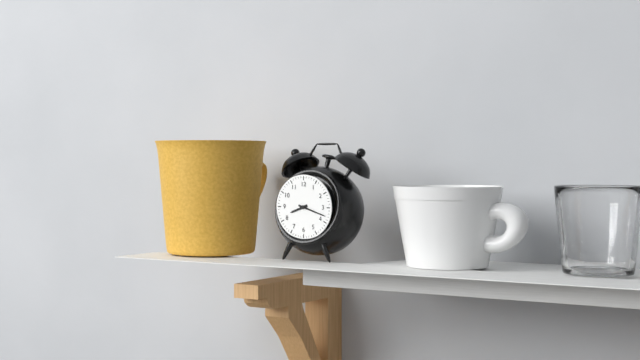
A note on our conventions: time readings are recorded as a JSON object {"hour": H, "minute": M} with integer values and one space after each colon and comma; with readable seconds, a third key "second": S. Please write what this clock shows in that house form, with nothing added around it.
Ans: {"hour": 8, "minute": 18}
